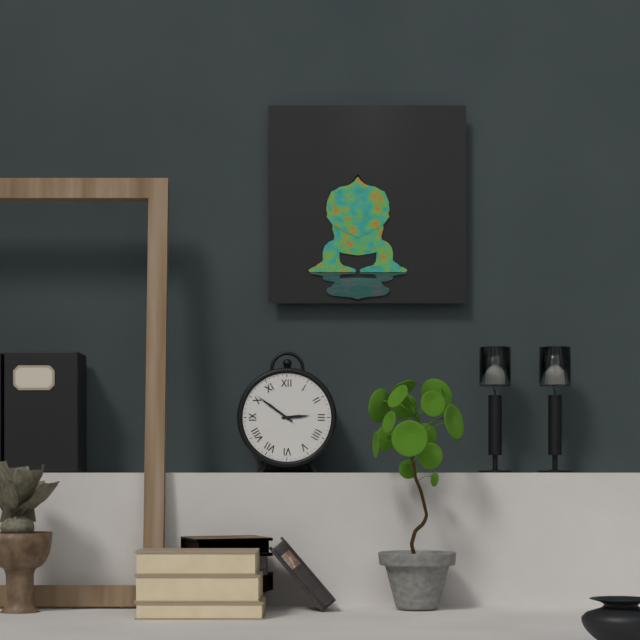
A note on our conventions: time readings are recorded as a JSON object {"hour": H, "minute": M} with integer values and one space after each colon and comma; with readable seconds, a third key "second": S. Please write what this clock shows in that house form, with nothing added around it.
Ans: {"hour": 2, "minute": 51}
